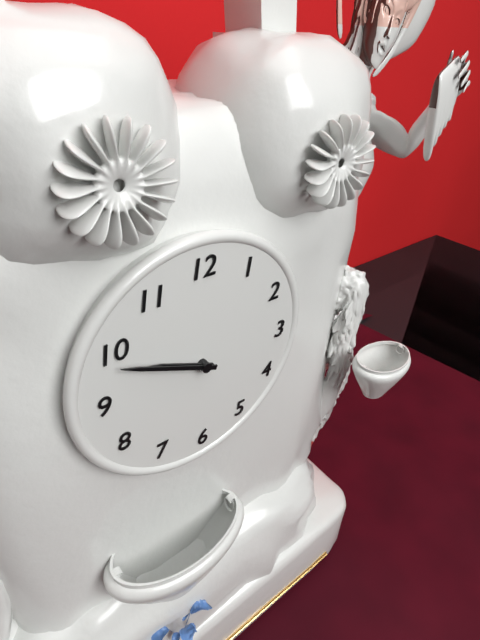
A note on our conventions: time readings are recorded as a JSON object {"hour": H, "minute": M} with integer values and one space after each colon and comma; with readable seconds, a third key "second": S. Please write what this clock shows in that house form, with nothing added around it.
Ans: {"hour": 9, "minute": 49}
